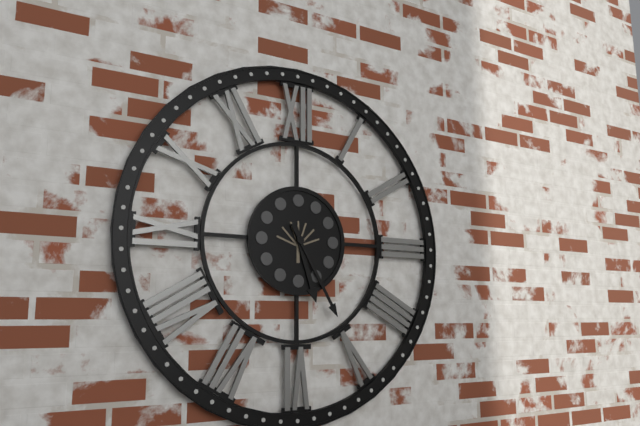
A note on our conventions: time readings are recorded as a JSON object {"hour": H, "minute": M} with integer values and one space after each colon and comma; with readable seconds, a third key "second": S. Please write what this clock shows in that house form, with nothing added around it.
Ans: {"hour": 5, "minute": 25}
